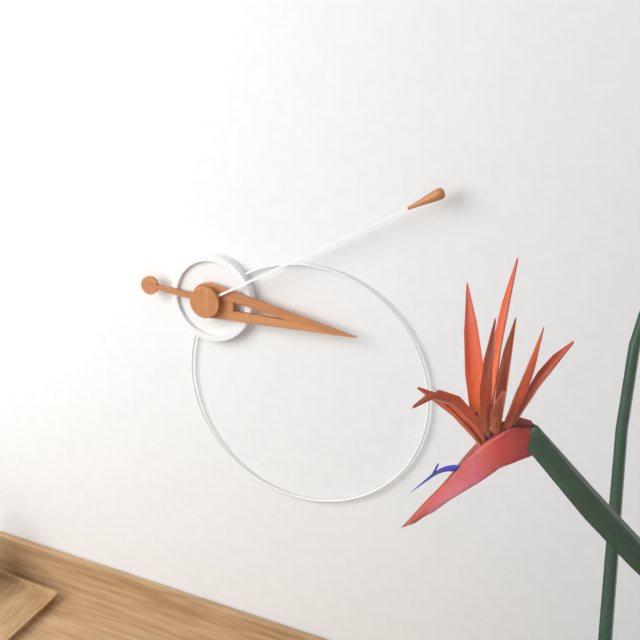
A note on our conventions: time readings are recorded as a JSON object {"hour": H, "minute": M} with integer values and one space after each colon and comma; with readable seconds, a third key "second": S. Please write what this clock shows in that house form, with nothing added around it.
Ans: {"hour": 3, "minute": 10}
